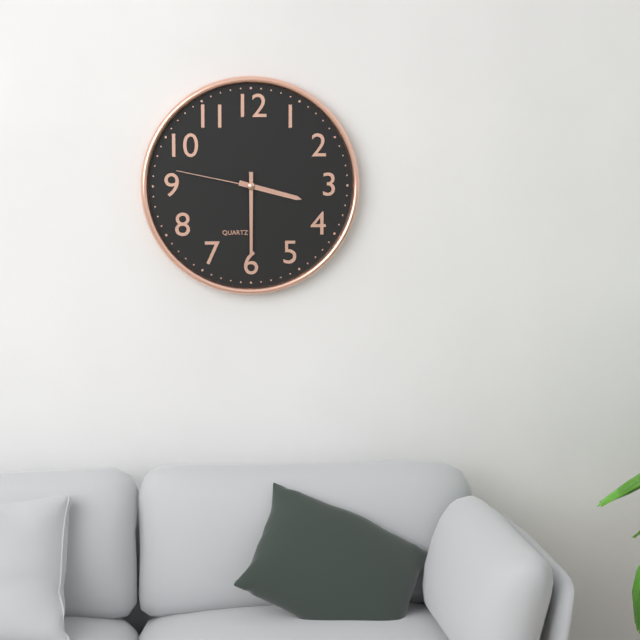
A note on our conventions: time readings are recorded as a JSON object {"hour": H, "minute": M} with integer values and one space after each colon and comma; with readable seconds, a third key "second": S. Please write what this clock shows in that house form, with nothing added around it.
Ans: {"hour": 3, "minute": 30, "second": 47}
